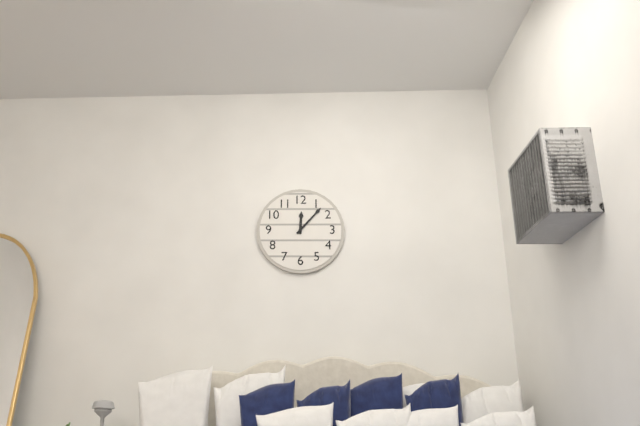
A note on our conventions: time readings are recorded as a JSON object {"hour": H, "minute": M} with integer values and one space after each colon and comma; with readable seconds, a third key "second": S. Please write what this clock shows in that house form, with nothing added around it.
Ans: {"hour": 12, "minute": 7}
